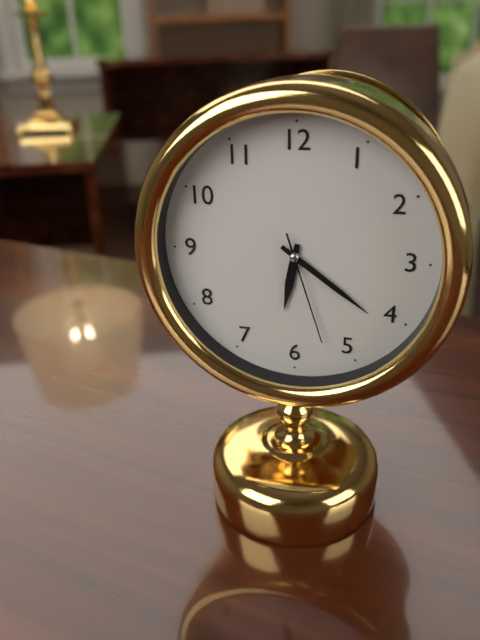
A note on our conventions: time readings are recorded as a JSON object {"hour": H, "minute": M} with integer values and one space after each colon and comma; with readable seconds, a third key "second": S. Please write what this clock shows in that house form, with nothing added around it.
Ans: {"hour": 6, "minute": 21, "second": 27}
